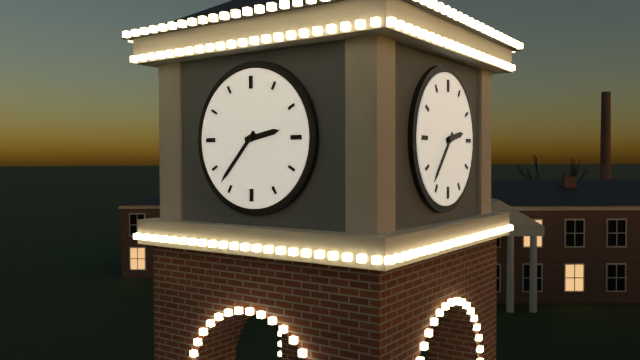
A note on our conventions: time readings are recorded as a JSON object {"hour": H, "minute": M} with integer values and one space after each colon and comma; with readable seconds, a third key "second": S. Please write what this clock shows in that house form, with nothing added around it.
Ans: {"hour": 2, "minute": 37}
